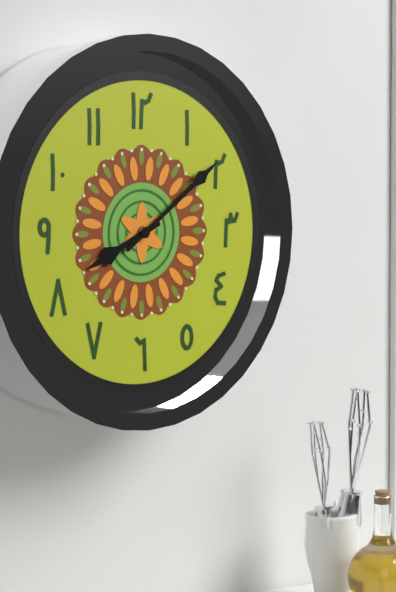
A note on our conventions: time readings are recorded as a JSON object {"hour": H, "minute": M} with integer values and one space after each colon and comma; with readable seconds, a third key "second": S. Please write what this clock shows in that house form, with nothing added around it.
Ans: {"hour": 8, "minute": 9}
